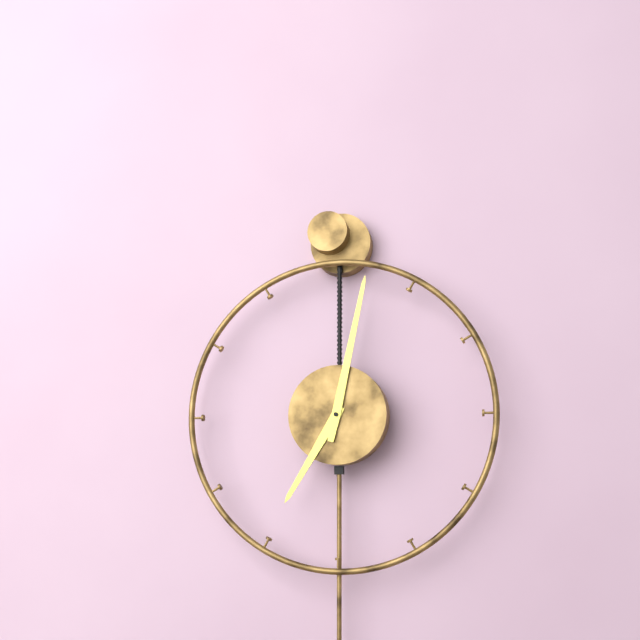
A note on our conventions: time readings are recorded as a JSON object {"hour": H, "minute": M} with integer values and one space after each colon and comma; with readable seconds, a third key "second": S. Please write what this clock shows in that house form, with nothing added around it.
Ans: {"hour": 7, "minute": 2}
